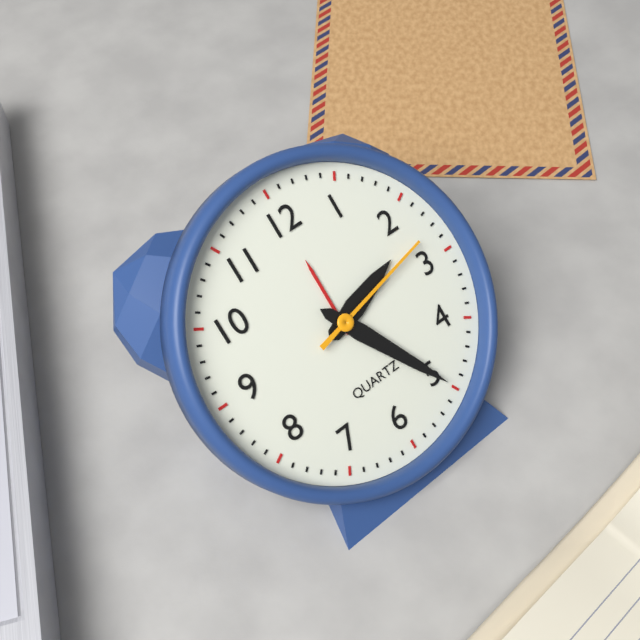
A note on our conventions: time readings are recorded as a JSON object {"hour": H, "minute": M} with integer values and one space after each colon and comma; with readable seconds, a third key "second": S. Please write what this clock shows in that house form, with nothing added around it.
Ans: {"hour": 2, "minute": 25, "second": 13}
